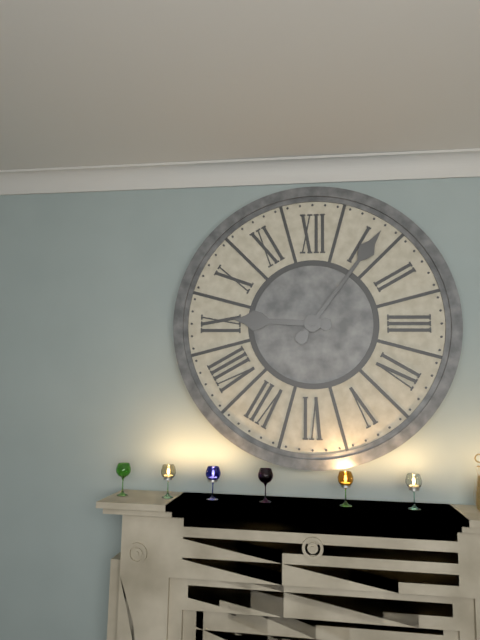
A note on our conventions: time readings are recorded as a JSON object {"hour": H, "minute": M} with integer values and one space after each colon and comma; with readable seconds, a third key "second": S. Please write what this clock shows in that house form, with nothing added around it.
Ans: {"hour": 9, "minute": 6}
